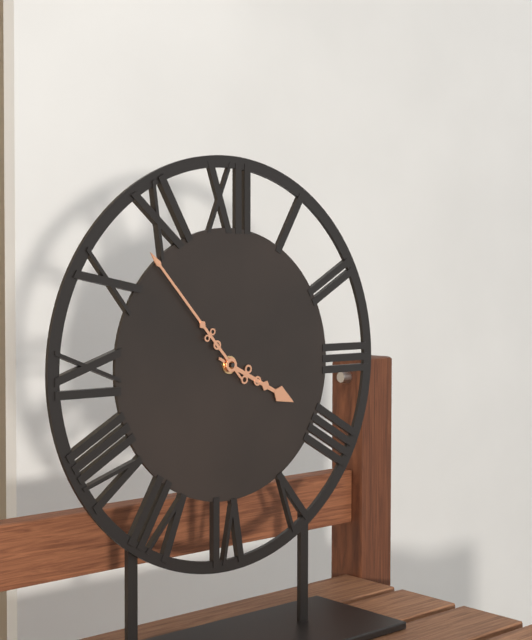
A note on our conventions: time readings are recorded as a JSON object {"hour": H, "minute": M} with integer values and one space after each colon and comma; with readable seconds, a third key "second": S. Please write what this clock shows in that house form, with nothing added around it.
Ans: {"hour": 3, "minute": 53}
